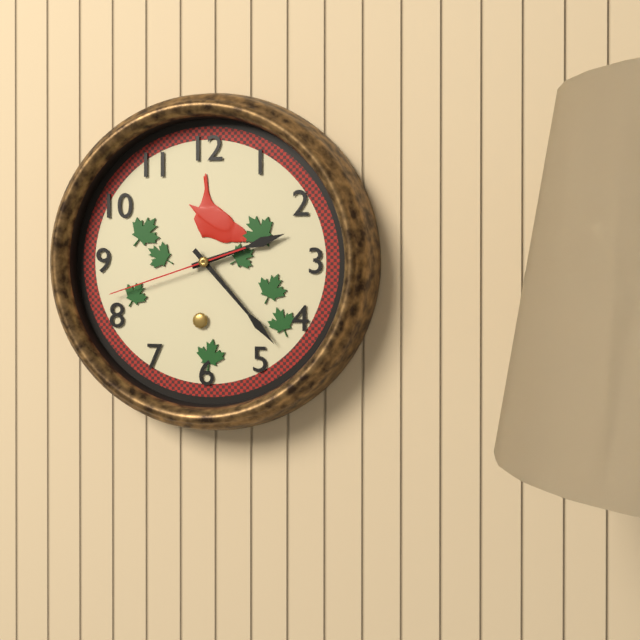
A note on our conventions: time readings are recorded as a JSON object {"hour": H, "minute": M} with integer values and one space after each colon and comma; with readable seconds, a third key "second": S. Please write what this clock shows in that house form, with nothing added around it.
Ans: {"hour": 2, "minute": 23, "second": 42}
